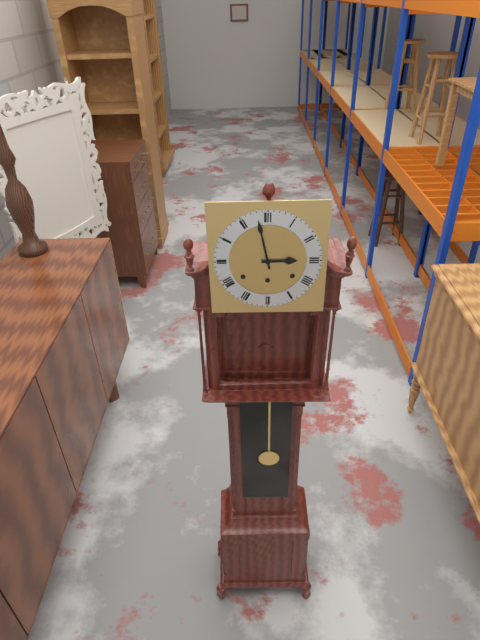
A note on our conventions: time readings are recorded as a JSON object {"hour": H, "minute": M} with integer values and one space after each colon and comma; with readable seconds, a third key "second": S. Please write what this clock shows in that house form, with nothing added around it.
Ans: {"hour": 2, "minute": 58}
